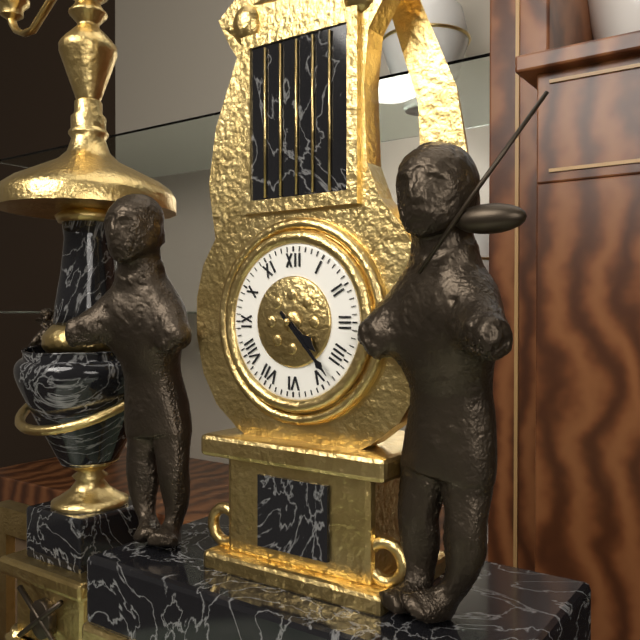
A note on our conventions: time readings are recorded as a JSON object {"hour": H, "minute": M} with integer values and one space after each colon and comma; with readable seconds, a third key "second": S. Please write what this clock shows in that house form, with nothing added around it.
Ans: {"hour": 4, "minute": 23}
